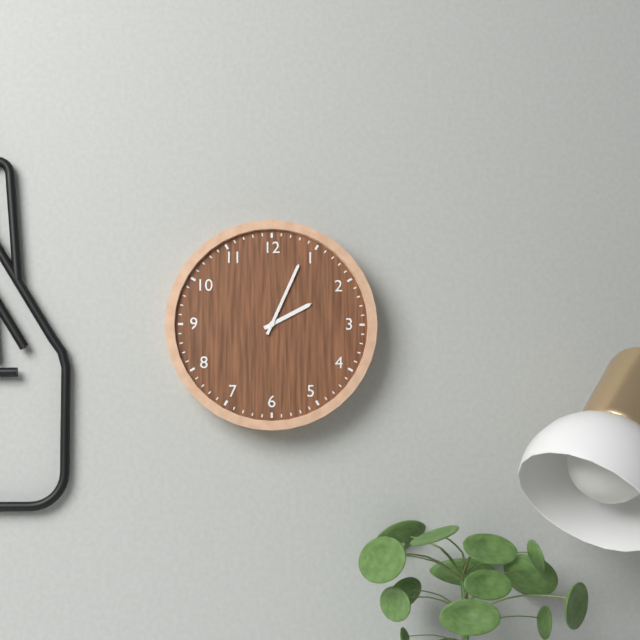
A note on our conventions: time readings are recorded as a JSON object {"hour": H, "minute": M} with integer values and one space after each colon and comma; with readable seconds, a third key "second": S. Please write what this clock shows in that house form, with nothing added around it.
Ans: {"hour": 2, "minute": 4}
